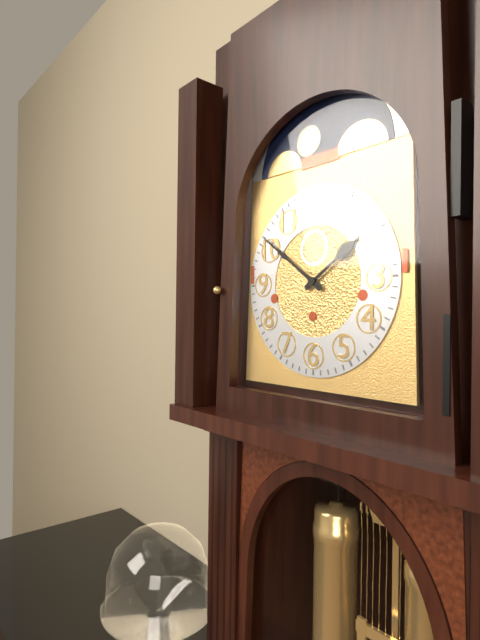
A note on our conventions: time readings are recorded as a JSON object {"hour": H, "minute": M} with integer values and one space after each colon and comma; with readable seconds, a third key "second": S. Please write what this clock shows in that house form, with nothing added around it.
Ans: {"hour": 1, "minute": 51}
